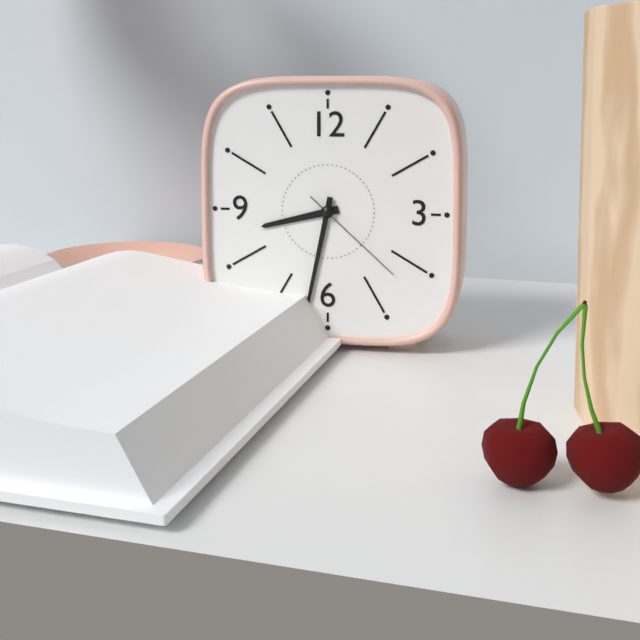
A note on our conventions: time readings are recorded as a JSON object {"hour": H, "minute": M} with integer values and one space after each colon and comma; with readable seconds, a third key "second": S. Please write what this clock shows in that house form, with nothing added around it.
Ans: {"hour": 8, "minute": 32, "second": 22}
